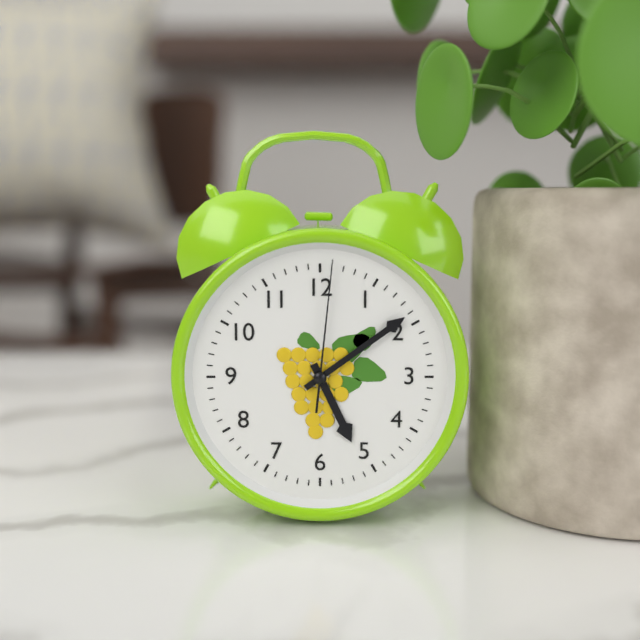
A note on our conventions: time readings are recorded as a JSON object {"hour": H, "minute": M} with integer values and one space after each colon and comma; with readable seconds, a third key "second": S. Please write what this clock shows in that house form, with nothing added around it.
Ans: {"hour": 5, "minute": 9, "second": 1}
